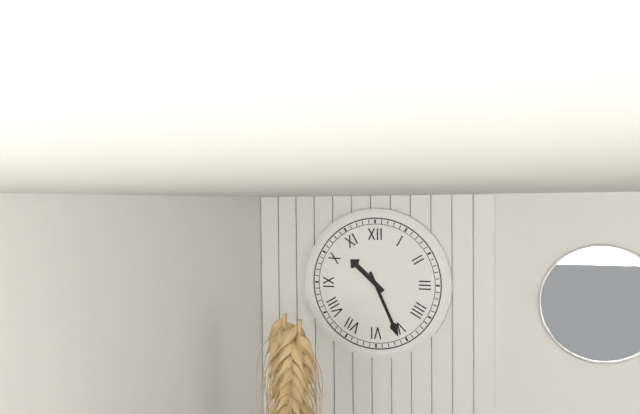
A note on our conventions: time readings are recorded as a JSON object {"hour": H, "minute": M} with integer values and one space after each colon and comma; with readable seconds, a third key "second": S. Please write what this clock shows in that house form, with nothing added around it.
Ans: {"hour": 10, "minute": 26}
